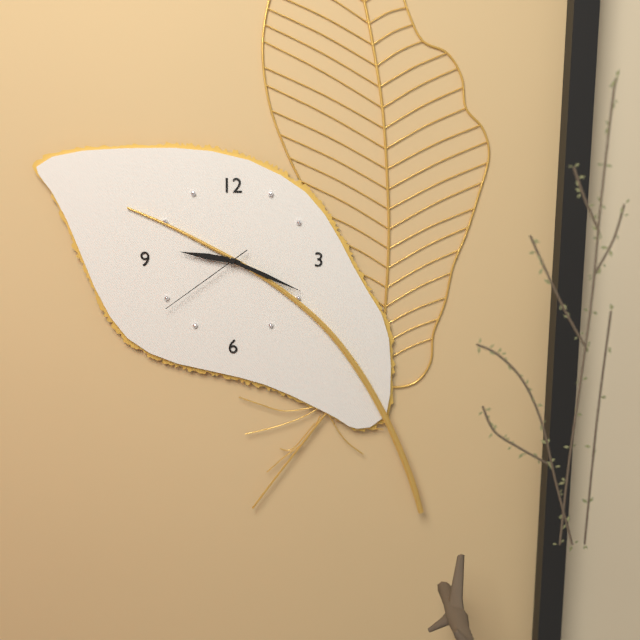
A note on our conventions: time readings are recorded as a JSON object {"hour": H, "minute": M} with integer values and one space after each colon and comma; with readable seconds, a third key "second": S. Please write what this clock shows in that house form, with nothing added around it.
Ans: {"hour": 9, "minute": 19, "second": 39}
